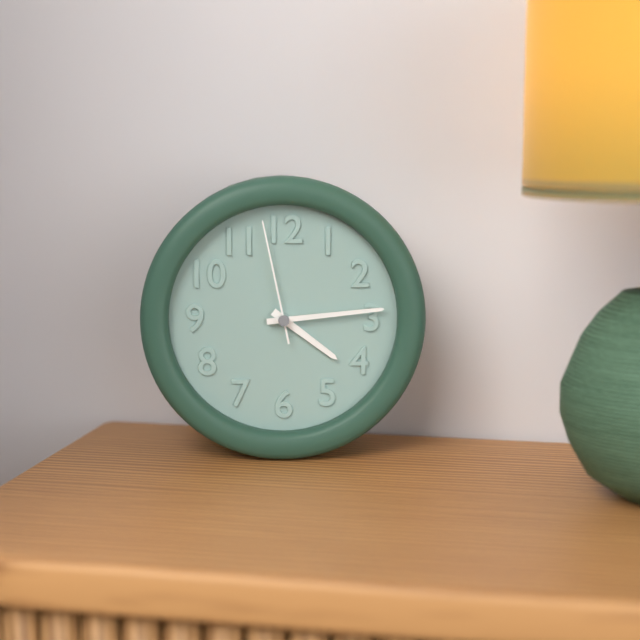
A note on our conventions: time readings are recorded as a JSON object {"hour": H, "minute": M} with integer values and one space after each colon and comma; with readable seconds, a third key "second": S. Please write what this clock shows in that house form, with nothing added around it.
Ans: {"hour": 4, "minute": 14, "second": 58}
